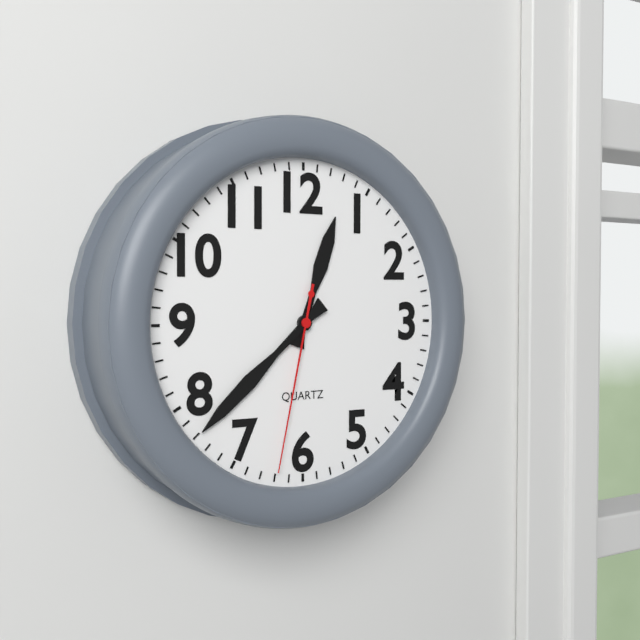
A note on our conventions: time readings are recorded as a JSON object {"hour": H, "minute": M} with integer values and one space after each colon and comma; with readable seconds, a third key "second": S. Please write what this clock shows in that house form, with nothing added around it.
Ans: {"hour": 12, "minute": 38, "second": 32}
